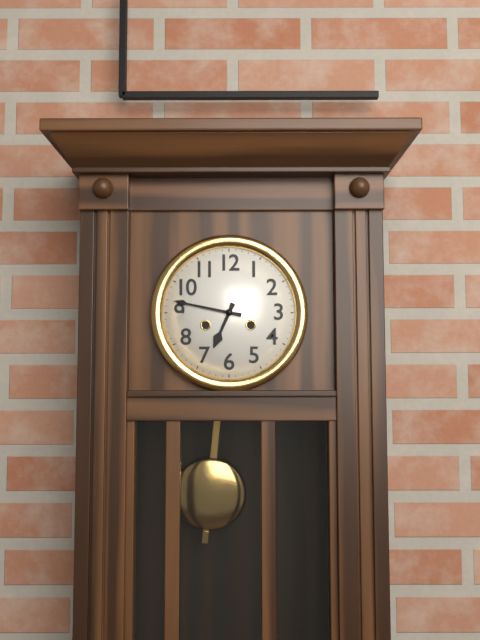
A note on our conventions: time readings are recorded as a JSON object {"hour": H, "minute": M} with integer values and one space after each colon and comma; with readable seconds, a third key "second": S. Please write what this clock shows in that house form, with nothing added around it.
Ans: {"hour": 6, "minute": 47}
